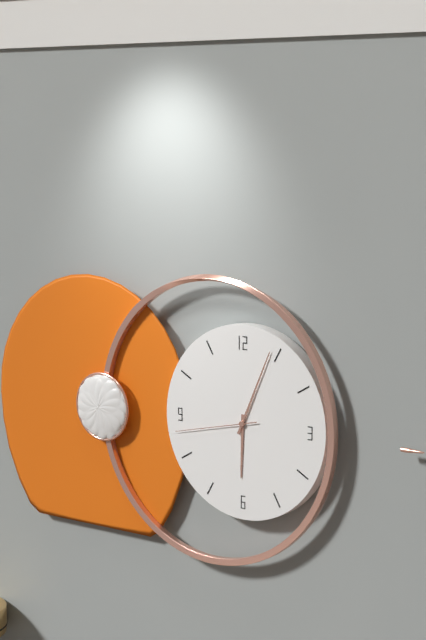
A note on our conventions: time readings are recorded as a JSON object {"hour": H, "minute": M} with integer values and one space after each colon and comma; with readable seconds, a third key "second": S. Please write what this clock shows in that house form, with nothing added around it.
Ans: {"hour": 6, "minute": 4, "second": 43}
